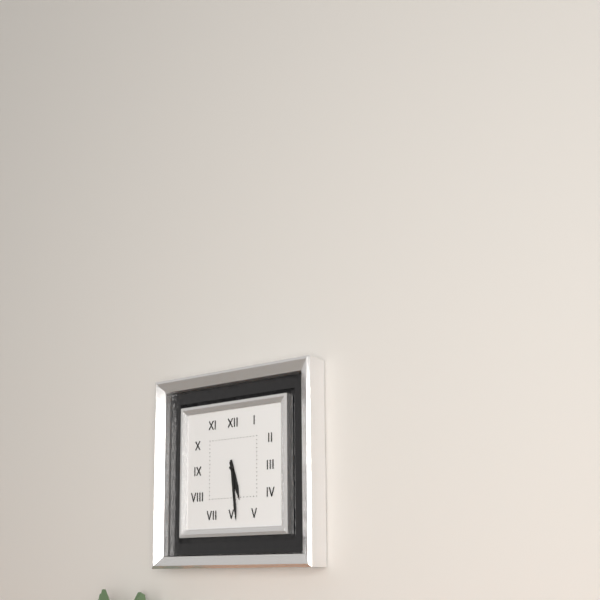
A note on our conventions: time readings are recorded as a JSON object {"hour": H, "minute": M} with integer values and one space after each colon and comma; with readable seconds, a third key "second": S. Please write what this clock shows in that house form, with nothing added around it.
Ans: {"hour": 5, "minute": 29}
